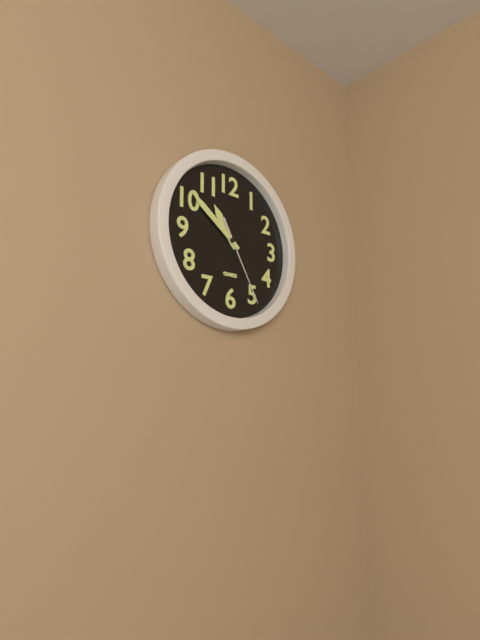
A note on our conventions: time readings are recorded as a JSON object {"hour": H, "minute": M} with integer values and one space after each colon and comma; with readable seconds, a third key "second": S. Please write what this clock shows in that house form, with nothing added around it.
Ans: {"hour": 10, "minute": 51, "second": 25}
